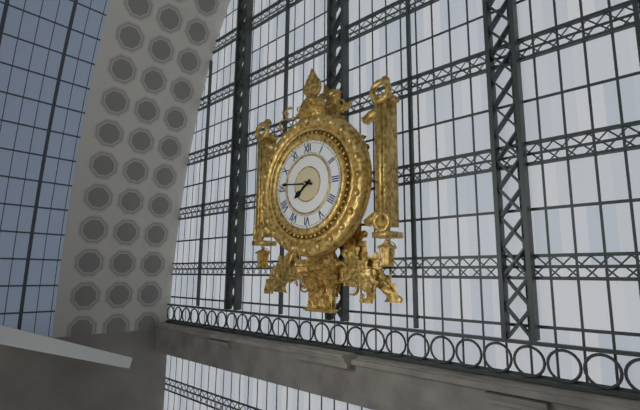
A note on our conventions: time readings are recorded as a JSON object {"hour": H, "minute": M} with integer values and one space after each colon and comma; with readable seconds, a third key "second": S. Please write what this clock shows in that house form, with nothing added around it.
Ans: {"hour": 7, "minute": 46}
